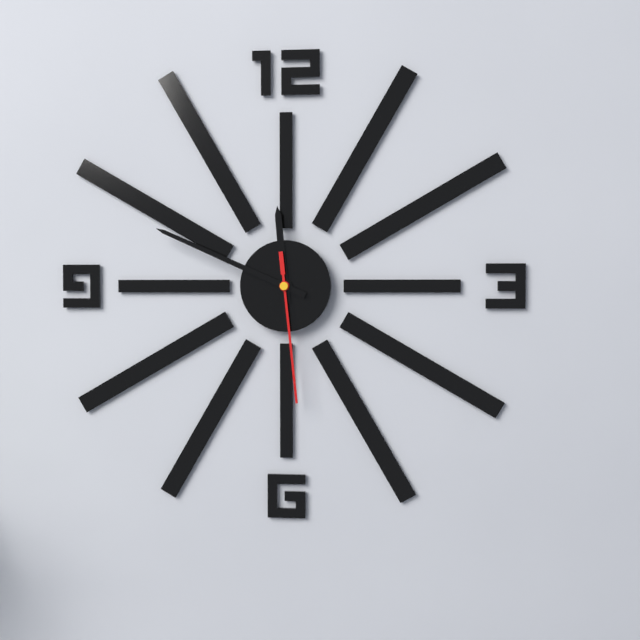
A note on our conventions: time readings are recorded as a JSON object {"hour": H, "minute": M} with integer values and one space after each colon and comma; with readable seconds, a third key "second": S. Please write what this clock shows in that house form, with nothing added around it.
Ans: {"hour": 11, "minute": 49, "second": 29}
